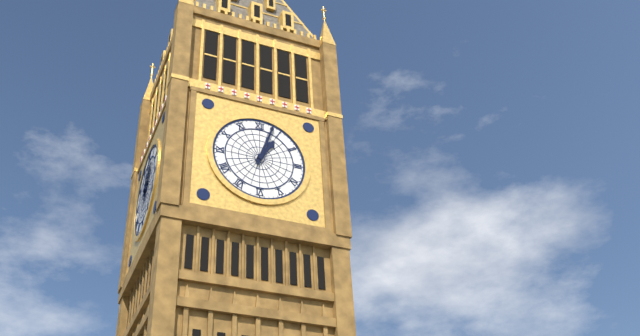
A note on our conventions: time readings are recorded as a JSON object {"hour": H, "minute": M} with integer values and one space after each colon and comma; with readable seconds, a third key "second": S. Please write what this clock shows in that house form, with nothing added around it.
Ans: {"hour": 1, "minute": 3}
